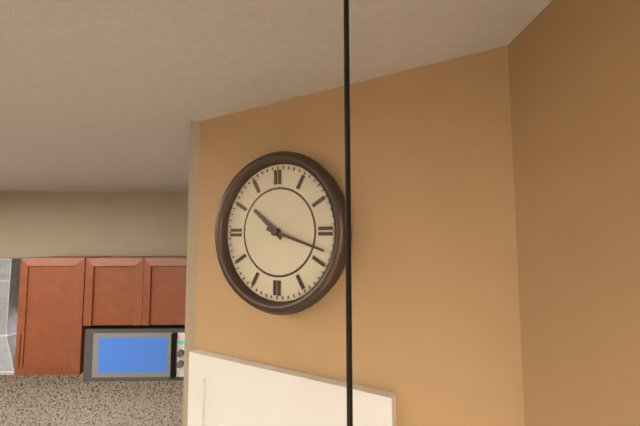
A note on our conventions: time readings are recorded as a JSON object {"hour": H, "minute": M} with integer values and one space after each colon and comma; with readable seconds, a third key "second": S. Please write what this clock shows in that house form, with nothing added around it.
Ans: {"hour": 10, "minute": 18}
